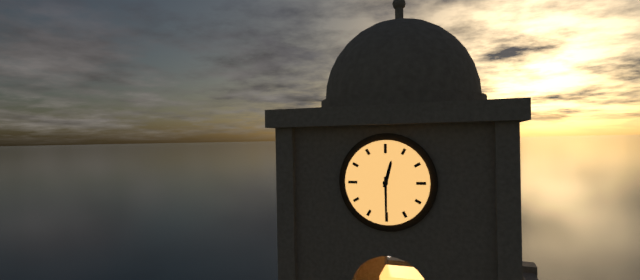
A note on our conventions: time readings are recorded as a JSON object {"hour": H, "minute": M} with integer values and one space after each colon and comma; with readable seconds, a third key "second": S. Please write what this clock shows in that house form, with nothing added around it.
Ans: {"hour": 12, "minute": 30}
